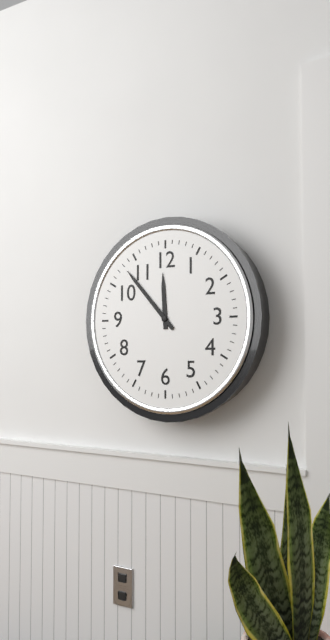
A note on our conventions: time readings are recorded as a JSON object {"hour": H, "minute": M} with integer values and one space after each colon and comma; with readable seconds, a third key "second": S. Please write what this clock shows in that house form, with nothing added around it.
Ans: {"hour": 11, "minute": 53}
